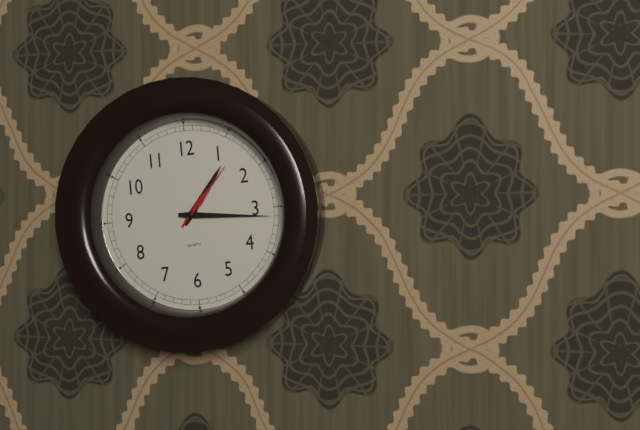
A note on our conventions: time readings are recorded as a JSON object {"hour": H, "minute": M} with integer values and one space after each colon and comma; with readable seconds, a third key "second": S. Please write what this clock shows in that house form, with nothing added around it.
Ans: {"hour": 1, "minute": 16, "second": 7}
